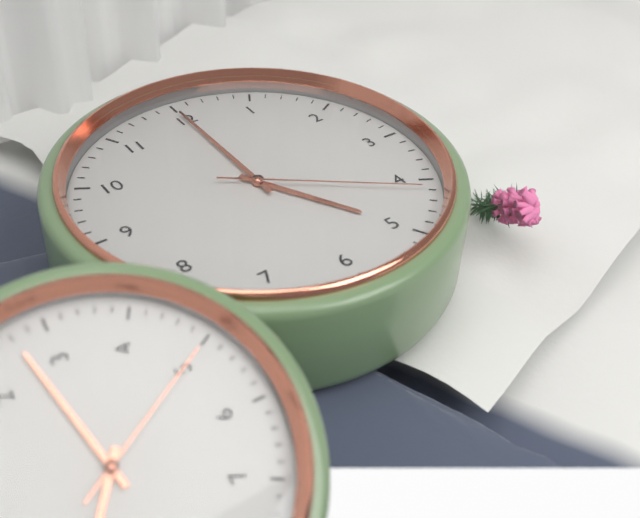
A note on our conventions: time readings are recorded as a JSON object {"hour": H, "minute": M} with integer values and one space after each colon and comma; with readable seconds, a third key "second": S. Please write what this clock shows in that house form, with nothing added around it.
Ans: {"hour": 5, "minute": 0, "second": 21}
